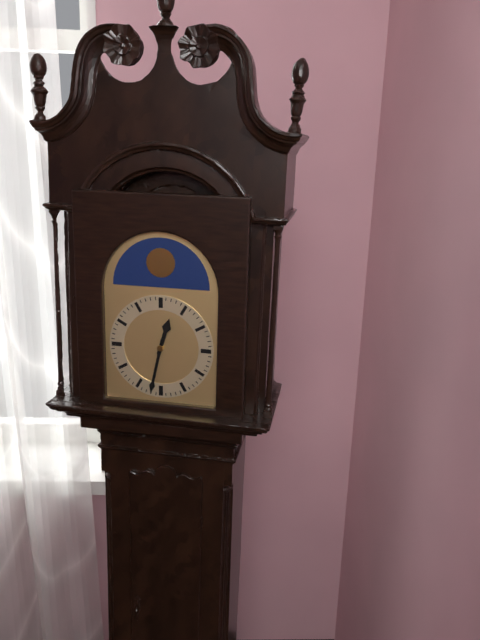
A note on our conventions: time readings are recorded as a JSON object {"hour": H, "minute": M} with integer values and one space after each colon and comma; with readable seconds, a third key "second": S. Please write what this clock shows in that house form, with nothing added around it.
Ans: {"hour": 12, "minute": 32}
